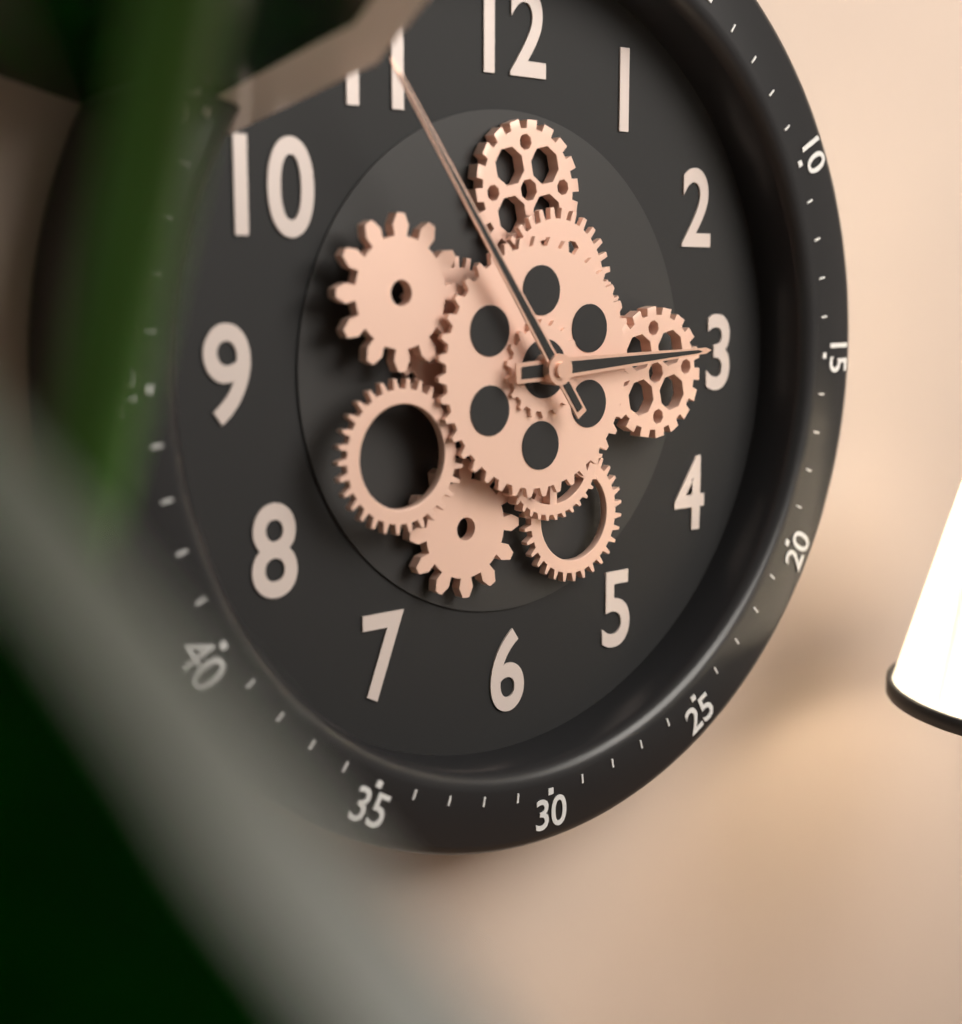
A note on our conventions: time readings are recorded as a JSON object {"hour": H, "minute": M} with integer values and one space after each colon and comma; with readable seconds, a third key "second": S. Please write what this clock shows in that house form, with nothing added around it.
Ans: {"hour": 2, "minute": 54}
